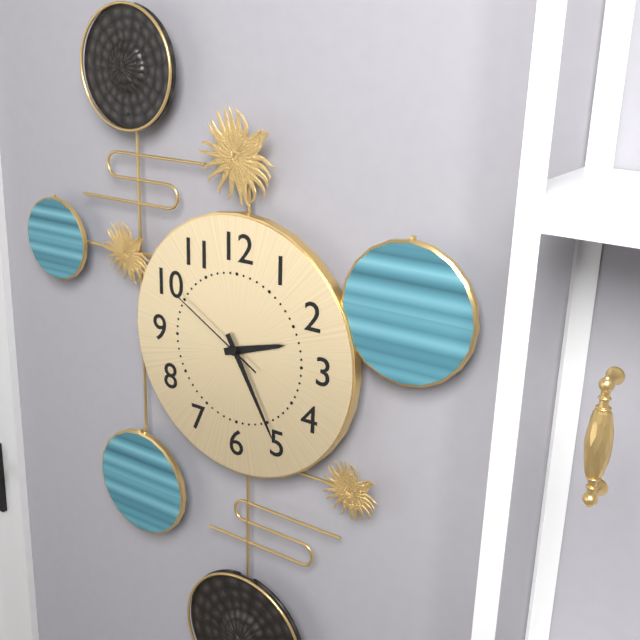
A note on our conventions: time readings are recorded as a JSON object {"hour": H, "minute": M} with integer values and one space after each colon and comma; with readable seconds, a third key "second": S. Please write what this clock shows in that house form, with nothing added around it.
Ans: {"hour": 2, "minute": 25, "second": 50}
